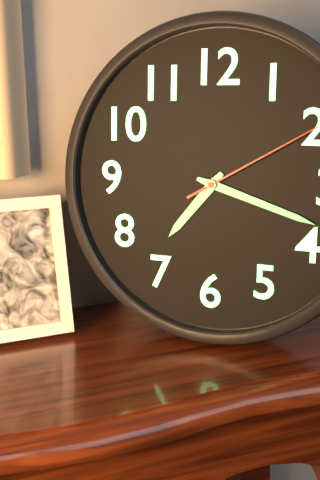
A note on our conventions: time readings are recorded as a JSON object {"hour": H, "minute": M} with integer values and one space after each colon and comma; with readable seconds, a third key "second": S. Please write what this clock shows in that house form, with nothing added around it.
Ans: {"hour": 7, "minute": 18, "second": 10}
